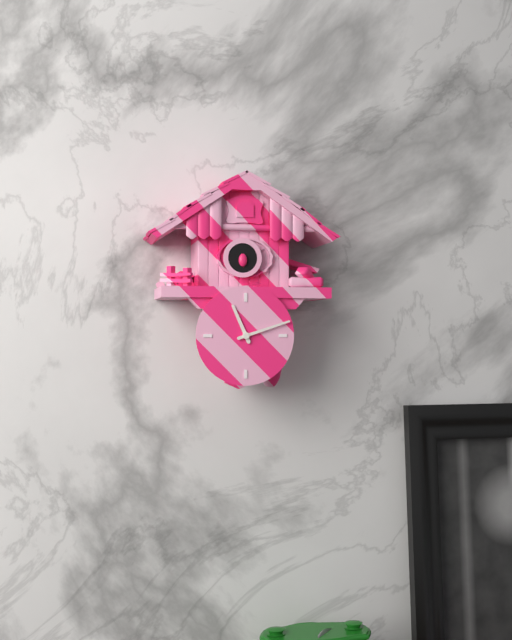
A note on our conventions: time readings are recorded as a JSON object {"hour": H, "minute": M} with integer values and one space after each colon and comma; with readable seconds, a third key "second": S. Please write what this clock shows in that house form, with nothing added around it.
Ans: {"hour": 11, "minute": 12}
